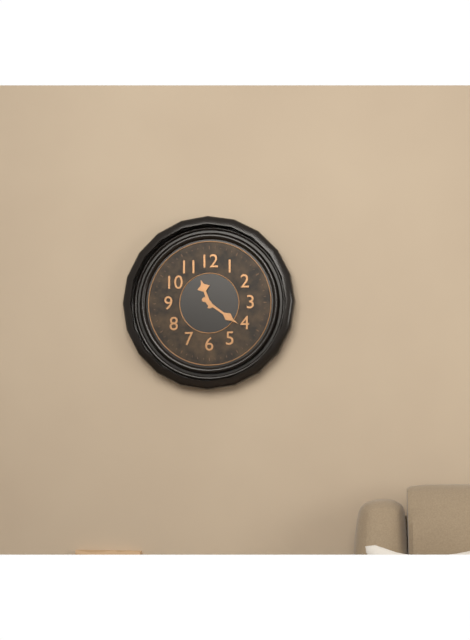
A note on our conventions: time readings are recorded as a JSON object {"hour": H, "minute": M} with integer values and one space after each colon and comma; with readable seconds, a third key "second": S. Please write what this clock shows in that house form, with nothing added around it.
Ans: {"hour": 11, "minute": 21}
